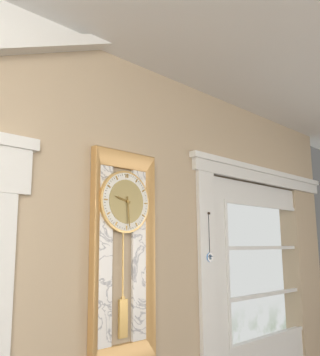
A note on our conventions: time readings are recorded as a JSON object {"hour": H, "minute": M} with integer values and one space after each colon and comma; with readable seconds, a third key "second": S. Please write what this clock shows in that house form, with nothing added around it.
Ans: {"hour": 9, "minute": 29}
